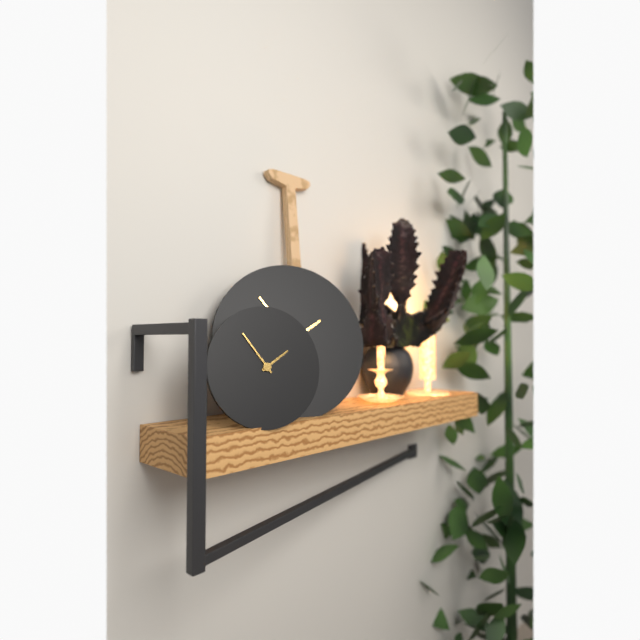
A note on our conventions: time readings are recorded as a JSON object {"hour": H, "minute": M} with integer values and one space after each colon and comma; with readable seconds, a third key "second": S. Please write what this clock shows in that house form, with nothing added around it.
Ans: {"hour": 1, "minute": 54}
